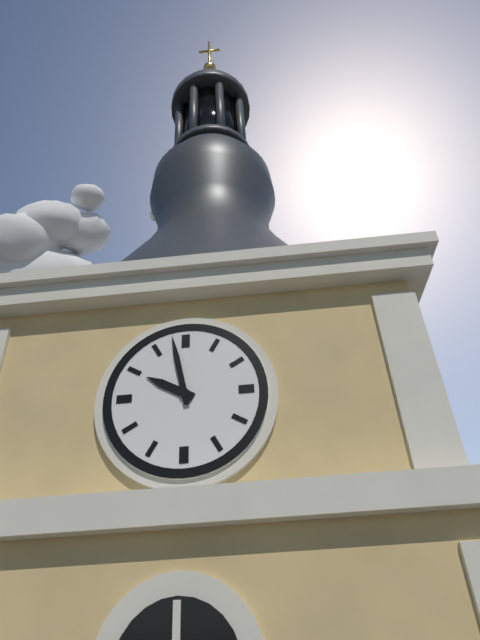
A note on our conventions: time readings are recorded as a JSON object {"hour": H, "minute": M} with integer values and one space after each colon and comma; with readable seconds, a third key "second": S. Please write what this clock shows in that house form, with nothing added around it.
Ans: {"hour": 9, "minute": 58}
